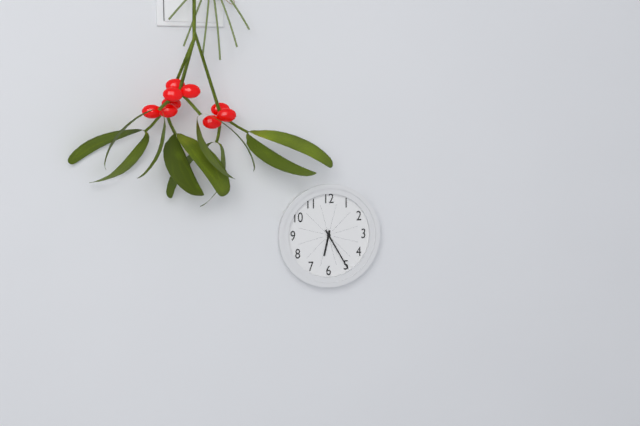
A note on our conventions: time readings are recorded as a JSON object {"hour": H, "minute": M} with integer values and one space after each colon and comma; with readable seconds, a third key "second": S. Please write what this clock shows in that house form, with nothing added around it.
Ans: {"hour": 6, "minute": 25}
